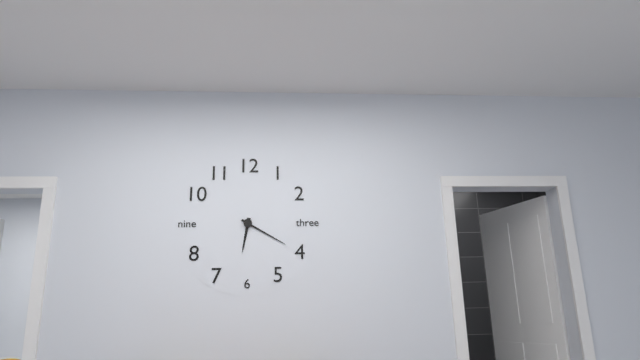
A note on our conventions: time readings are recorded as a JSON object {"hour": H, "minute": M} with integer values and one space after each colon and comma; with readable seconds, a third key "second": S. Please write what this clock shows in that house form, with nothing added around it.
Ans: {"hour": 6, "minute": 20}
